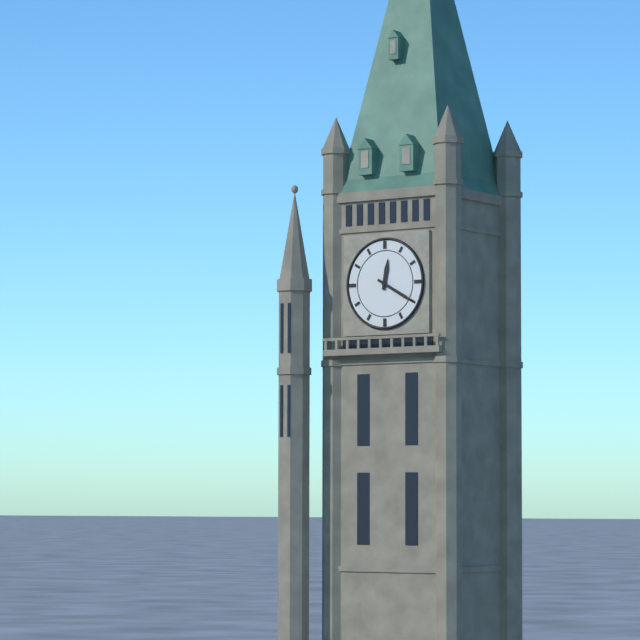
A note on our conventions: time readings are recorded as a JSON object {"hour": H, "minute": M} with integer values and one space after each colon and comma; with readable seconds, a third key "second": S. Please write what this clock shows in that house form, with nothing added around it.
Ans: {"hour": 12, "minute": 20}
